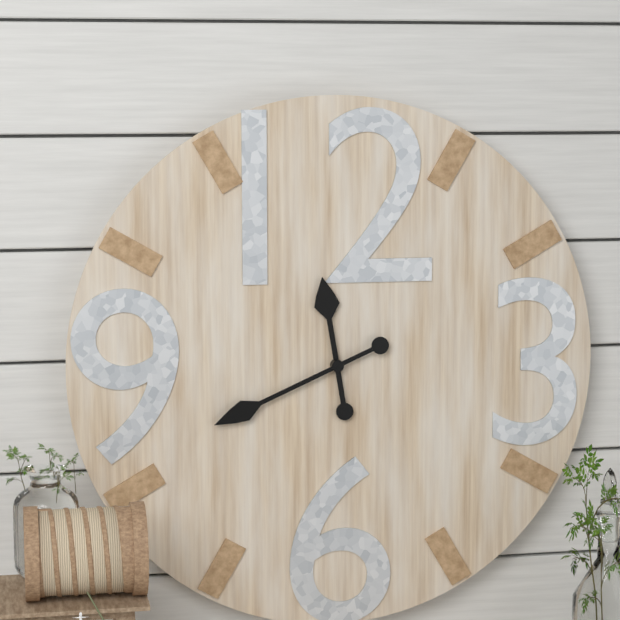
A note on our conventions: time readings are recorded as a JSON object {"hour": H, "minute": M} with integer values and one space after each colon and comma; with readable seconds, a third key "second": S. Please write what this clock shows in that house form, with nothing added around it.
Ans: {"hour": 11, "minute": 41}
